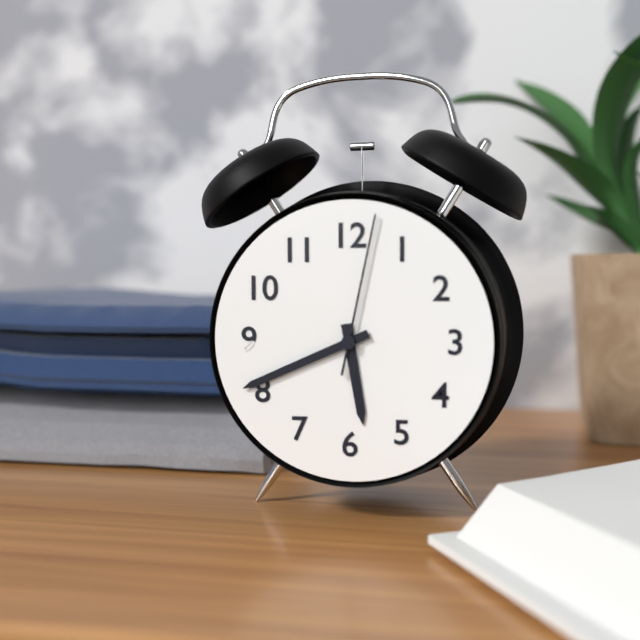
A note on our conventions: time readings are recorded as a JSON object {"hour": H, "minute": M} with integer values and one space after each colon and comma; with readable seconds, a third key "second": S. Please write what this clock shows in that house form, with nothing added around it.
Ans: {"hour": 5, "minute": 41, "second": 2}
